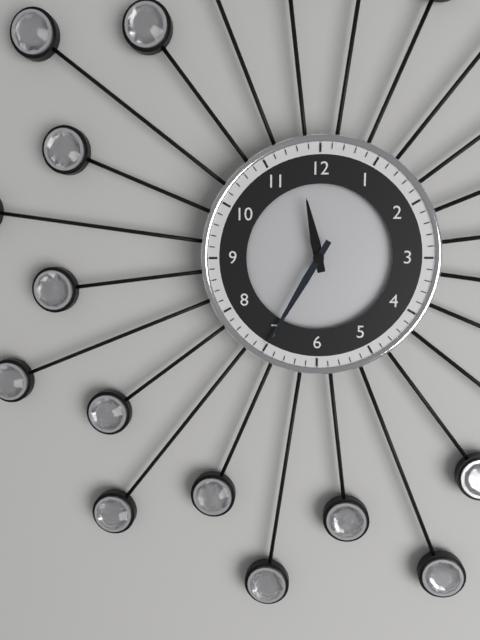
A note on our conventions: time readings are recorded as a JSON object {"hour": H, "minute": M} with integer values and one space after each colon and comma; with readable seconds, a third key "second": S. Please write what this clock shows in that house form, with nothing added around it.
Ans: {"hour": 11, "minute": 35}
